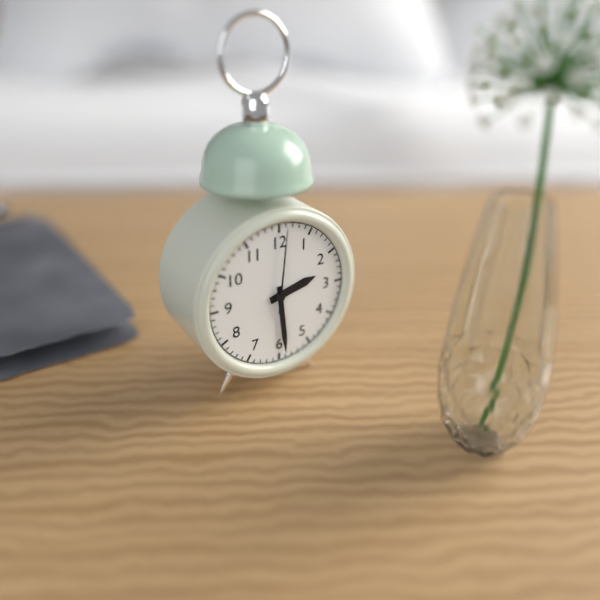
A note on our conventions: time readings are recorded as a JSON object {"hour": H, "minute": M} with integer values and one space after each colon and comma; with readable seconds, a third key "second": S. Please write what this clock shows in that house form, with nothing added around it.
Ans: {"hour": 2, "minute": 29, "second": 1}
